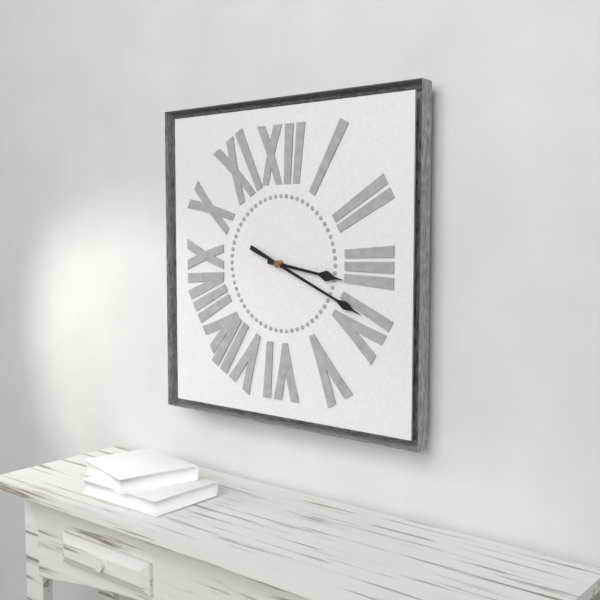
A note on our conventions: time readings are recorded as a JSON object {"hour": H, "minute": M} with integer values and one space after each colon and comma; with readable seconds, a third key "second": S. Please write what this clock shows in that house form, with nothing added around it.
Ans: {"hour": 3, "minute": 19}
